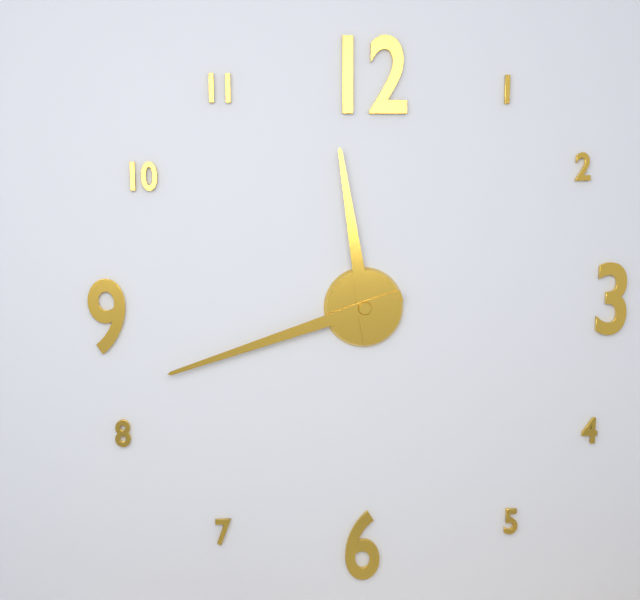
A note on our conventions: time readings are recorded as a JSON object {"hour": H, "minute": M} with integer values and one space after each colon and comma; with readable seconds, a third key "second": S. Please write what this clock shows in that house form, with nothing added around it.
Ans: {"hour": 11, "minute": 42}
